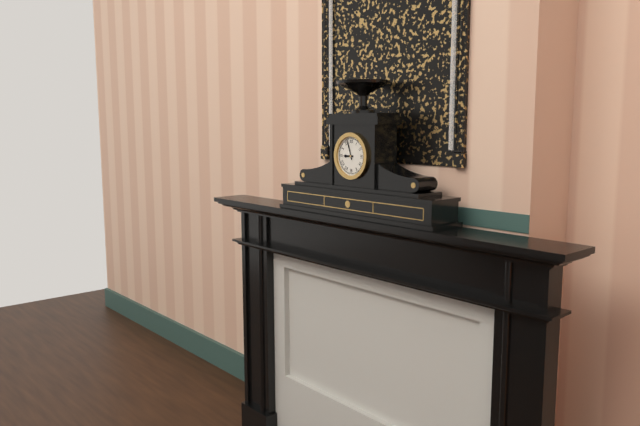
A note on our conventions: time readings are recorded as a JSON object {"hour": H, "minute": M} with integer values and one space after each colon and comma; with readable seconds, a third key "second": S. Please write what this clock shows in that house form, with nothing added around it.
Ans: {"hour": 8, "minute": 57}
